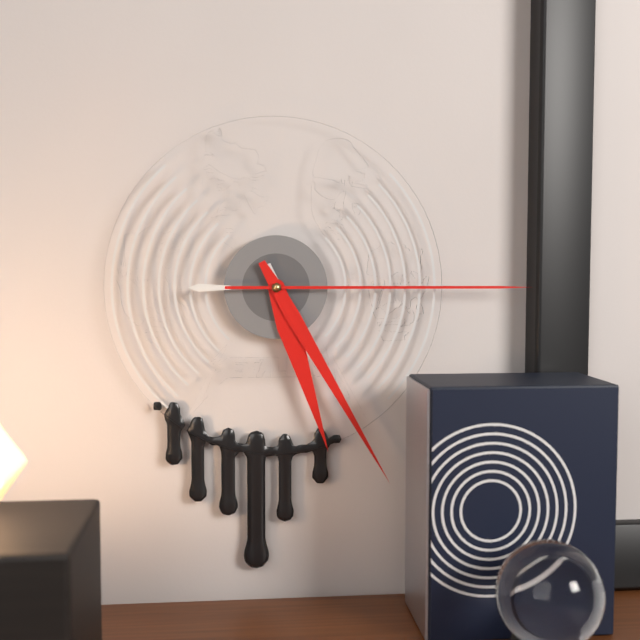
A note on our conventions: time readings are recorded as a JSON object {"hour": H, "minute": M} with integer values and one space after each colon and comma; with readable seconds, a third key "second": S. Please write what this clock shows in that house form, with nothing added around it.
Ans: {"hour": 5, "minute": 25, "second": 15}
